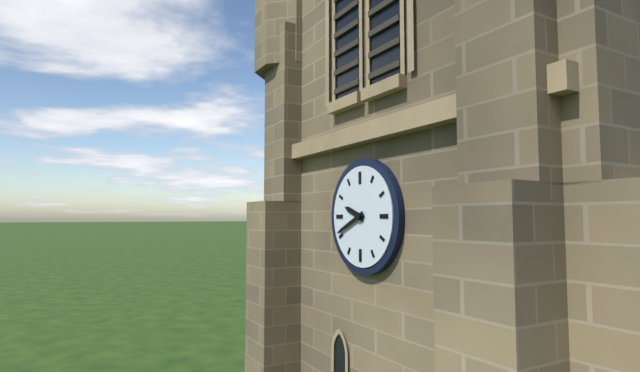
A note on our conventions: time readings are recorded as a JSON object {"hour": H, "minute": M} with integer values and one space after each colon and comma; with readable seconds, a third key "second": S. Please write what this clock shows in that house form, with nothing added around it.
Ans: {"hour": 9, "minute": 41}
